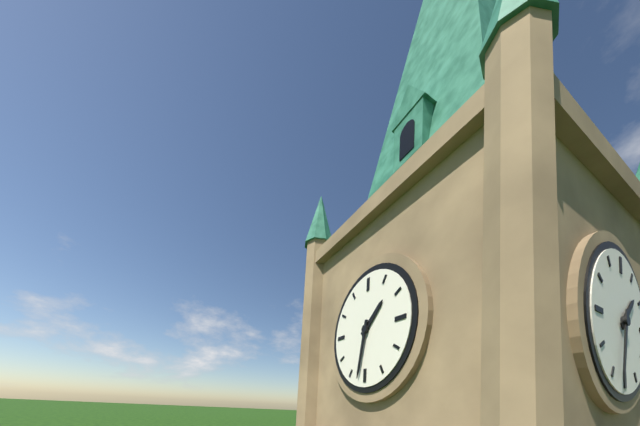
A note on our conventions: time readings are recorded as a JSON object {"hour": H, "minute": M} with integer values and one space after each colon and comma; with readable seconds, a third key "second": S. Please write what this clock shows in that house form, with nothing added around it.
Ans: {"hour": 1, "minute": 32}
